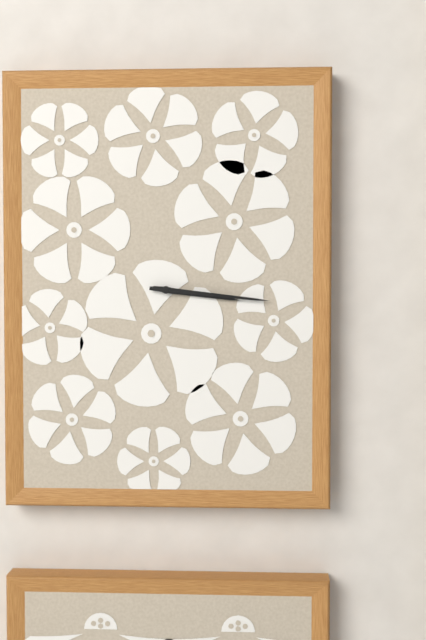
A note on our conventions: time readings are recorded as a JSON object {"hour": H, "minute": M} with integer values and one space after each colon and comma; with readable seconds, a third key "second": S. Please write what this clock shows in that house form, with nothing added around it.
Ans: {"hour": 3, "minute": 16}
